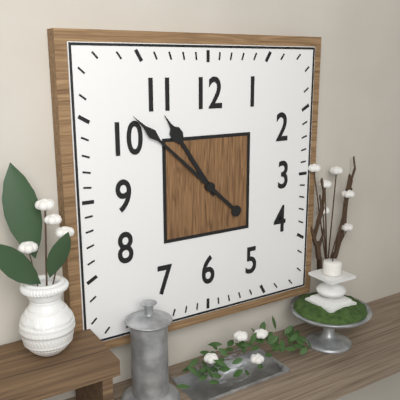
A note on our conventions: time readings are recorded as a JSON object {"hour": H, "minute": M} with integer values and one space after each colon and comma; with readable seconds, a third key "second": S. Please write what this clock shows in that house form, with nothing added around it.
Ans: {"hour": 10, "minute": 52}
